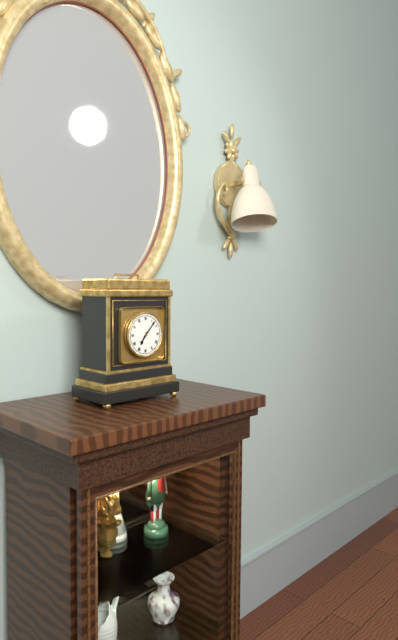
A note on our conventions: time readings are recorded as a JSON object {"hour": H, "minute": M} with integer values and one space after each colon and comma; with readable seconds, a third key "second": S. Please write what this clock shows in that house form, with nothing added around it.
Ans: {"hour": 7, "minute": 7}
